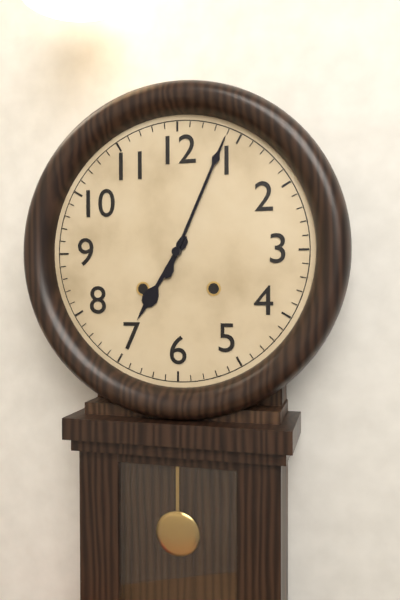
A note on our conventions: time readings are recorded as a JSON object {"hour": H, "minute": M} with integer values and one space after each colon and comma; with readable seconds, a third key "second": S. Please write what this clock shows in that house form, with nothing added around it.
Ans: {"hour": 7, "minute": 4}
